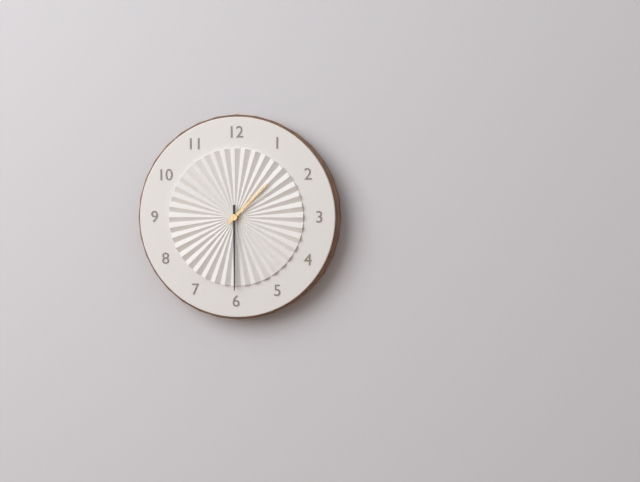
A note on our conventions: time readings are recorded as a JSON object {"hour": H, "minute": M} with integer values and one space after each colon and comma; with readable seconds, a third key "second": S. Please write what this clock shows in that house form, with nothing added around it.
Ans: {"hour": 1, "minute": 30}
